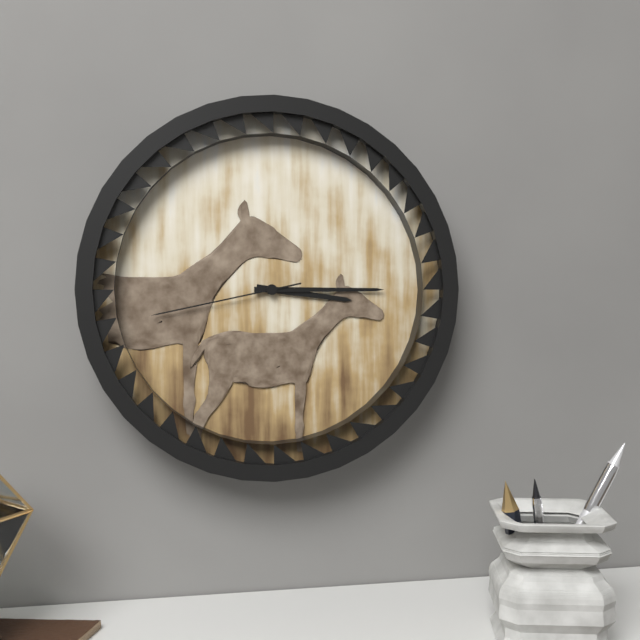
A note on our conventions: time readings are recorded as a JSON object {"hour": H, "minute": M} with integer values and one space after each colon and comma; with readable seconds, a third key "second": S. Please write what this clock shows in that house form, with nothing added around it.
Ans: {"hour": 3, "minute": 15, "second": 43}
